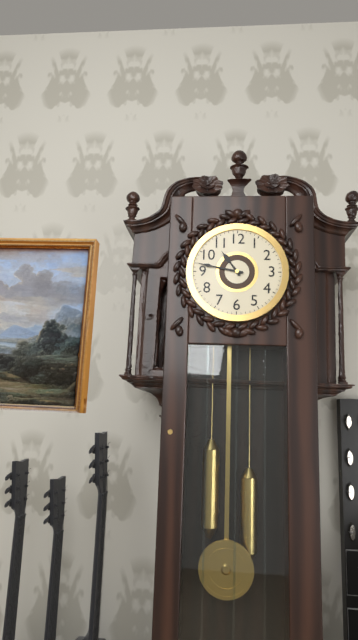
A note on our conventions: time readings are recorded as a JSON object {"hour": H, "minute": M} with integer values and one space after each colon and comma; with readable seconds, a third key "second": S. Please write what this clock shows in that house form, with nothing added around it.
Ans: {"hour": 10, "minute": 47}
